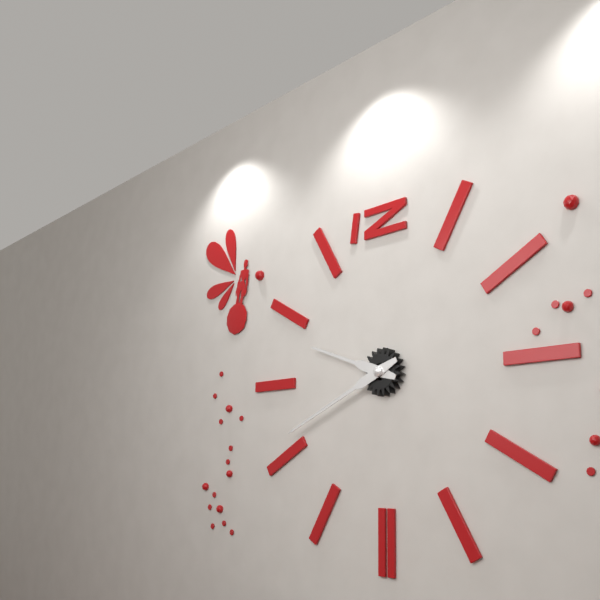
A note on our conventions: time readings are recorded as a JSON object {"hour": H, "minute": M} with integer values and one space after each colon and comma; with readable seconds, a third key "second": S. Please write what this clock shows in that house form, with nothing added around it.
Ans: {"hour": 9, "minute": 41}
